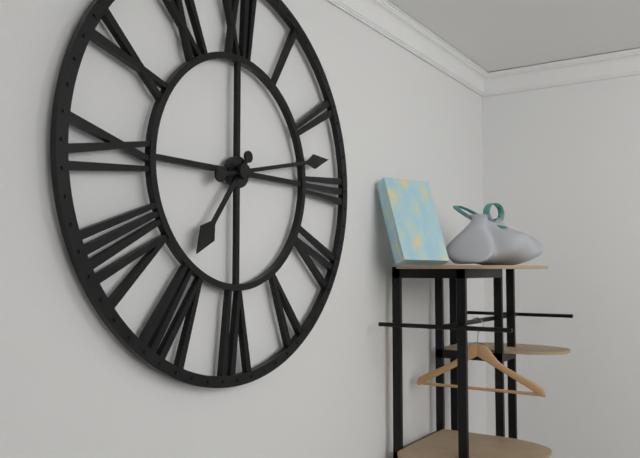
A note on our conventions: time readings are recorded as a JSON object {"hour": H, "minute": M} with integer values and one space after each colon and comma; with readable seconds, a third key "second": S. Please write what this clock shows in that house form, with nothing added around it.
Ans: {"hour": 7, "minute": 13}
